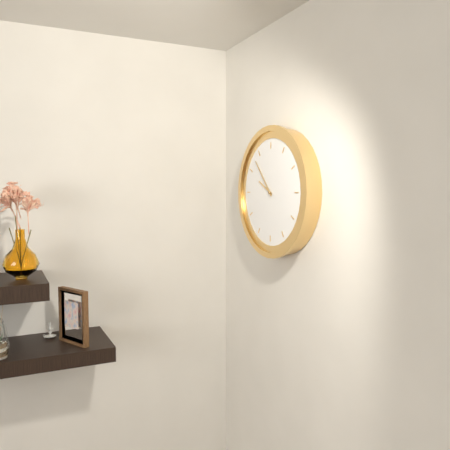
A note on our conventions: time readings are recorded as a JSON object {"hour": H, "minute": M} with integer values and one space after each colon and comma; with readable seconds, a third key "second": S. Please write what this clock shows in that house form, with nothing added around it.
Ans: {"hour": 9, "minute": 53}
